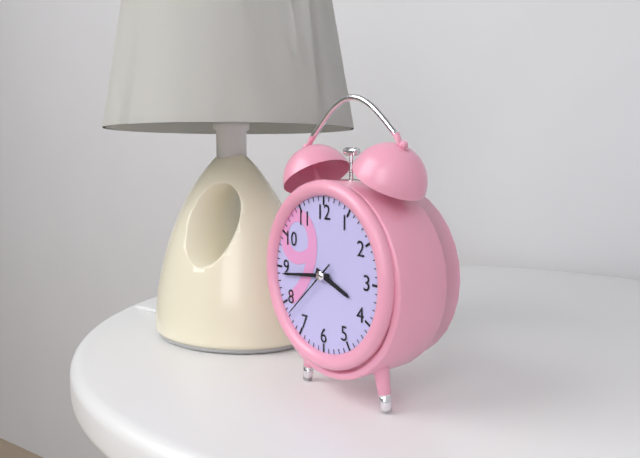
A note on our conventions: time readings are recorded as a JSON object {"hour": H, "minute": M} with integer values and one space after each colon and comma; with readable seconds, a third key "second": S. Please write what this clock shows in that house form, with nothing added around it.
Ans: {"hour": 3, "minute": 44, "second": 38}
